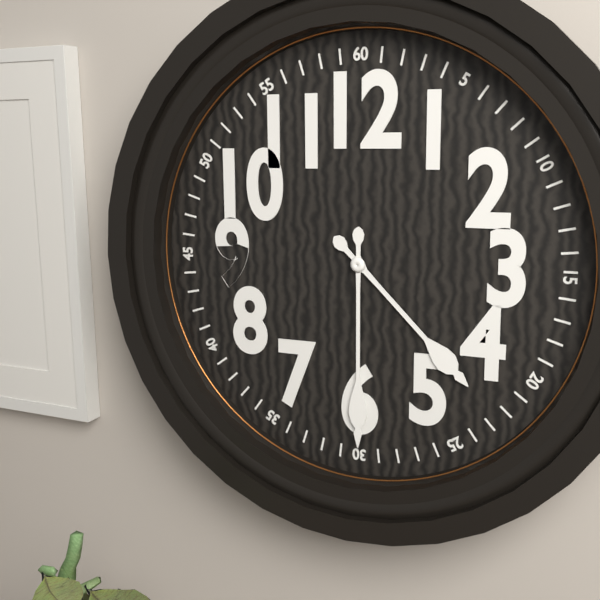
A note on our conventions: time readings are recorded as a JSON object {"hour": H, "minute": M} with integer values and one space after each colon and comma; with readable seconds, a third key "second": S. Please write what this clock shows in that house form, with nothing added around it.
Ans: {"hour": 4, "minute": 30}
